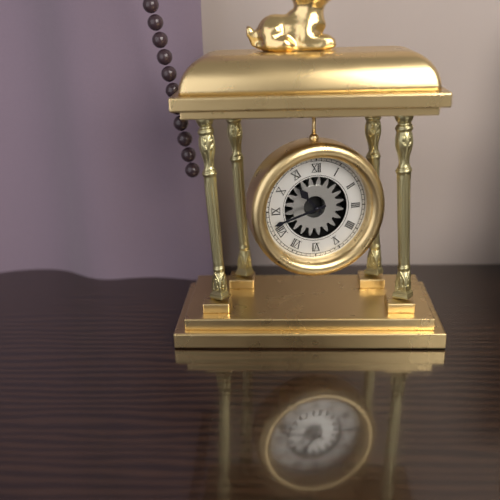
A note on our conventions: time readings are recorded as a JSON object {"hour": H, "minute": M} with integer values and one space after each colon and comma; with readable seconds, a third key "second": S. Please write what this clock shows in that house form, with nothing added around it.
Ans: {"hour": 10, "minute": 42}
